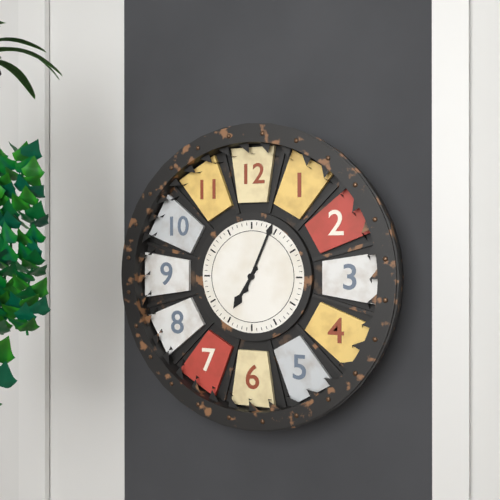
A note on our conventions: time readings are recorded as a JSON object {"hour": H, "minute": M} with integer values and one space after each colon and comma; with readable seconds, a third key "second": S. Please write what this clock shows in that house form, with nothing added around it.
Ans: {"hour": 7, "minute": 4}
